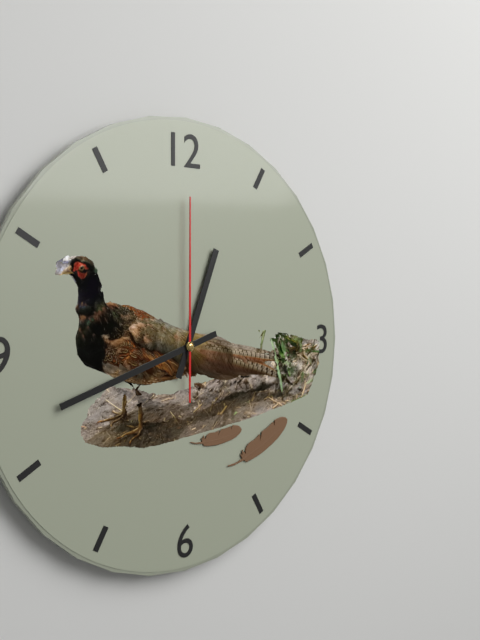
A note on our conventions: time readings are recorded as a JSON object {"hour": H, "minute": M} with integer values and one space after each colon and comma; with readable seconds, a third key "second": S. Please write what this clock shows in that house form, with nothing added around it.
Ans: {"hour": 12, "minute": 42, "second": 0}
